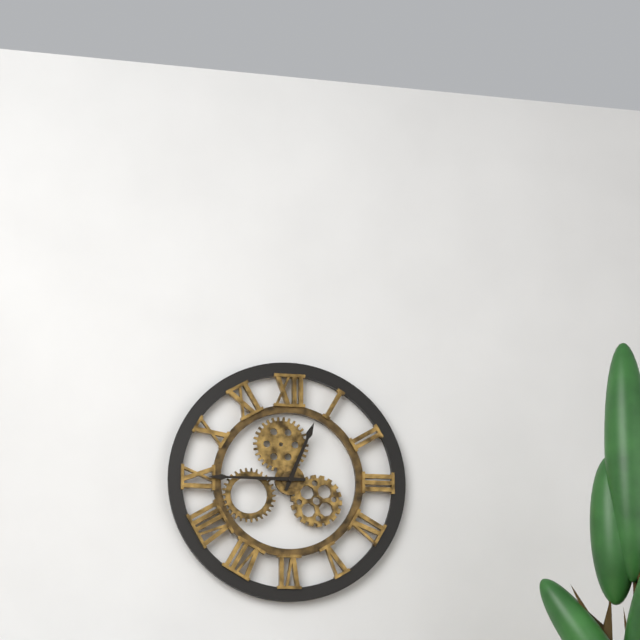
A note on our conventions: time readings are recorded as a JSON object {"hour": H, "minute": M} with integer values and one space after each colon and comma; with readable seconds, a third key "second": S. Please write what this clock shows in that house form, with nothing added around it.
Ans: {"hour": 12, "minute": 45}
